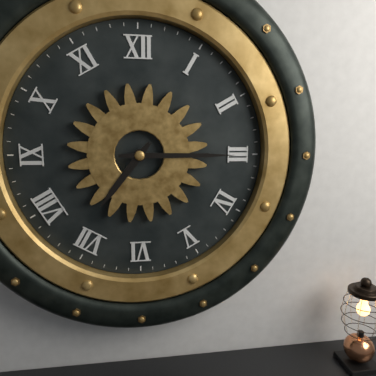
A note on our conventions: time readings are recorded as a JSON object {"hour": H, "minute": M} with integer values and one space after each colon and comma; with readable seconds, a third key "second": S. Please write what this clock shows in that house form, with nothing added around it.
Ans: {"hour": 7, "minute": 15}
